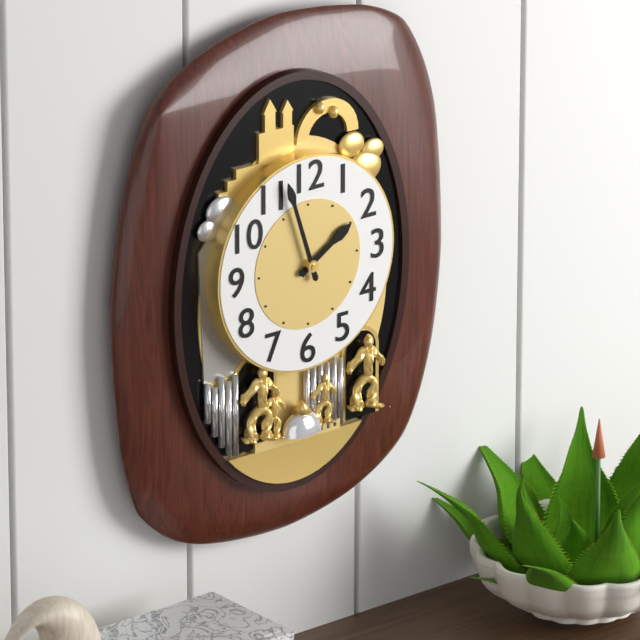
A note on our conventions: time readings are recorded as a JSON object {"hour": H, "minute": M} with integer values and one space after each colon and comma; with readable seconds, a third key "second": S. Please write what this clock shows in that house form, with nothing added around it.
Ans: {"hour": 1, "minute": 57}
